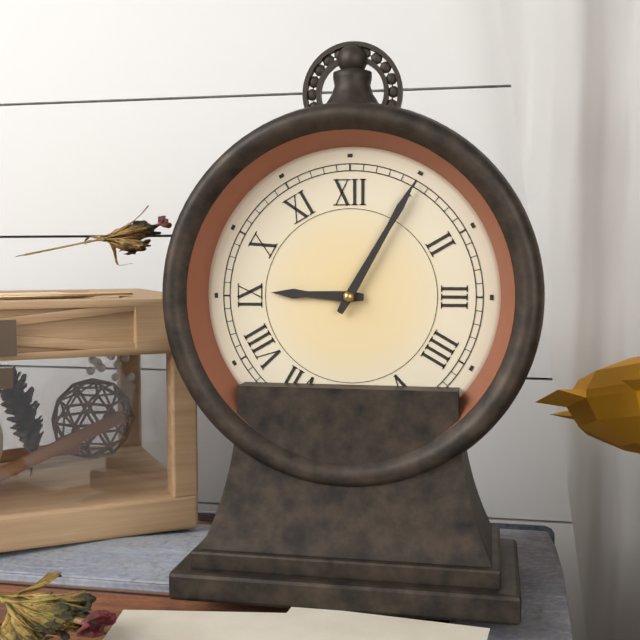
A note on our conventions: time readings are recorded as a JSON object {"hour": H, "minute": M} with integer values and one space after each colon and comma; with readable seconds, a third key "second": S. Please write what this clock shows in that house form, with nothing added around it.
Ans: {"hour": 9, "minute": 5}
